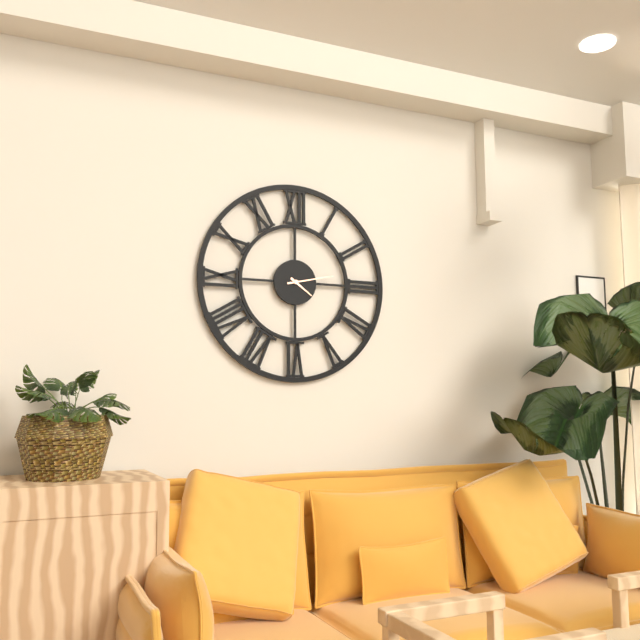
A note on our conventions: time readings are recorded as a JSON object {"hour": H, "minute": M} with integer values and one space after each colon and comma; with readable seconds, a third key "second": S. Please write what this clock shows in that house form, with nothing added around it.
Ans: {"hour": 4, "minute": 13}
